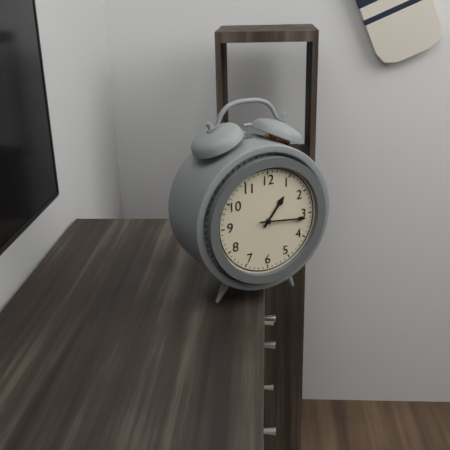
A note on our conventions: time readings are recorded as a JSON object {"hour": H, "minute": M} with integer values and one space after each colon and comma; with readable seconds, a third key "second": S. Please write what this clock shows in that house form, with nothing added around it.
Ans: {"hour": 1, "minute": 16}
